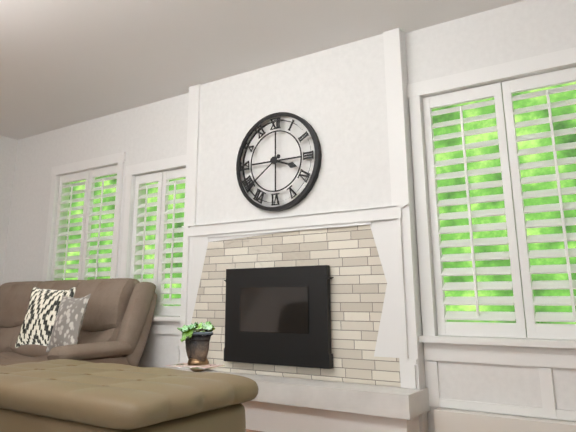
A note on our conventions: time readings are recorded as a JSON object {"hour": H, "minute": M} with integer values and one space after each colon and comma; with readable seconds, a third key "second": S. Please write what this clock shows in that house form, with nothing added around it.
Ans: {"hour": 3, "minute": 39}
